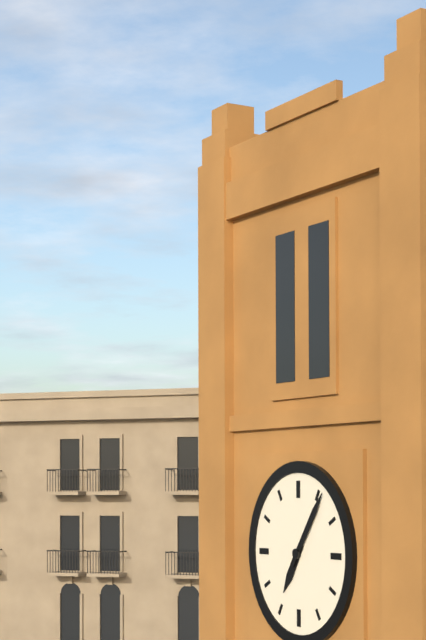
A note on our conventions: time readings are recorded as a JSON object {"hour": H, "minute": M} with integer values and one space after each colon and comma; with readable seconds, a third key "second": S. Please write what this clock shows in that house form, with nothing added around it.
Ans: {"hour": 7, "minute": 6}
